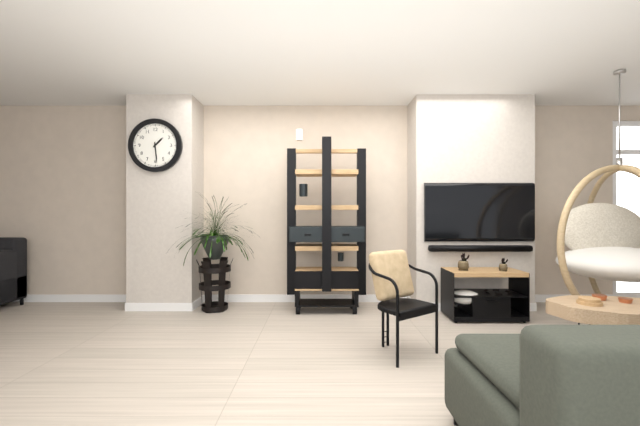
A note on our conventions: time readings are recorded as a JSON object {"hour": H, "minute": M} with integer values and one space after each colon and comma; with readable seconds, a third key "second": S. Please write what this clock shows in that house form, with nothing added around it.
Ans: {"hour": 1, "minute": 29}
